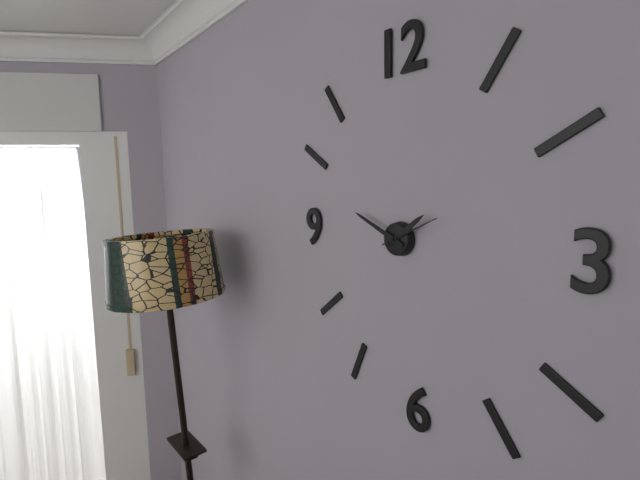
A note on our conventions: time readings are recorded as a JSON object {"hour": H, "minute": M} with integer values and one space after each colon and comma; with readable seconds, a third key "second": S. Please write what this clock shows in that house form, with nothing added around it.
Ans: {"hour": 1, "minute": 49, "second": 11}
